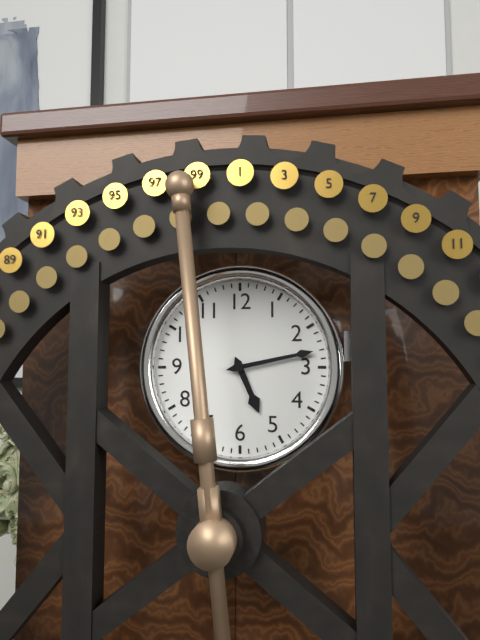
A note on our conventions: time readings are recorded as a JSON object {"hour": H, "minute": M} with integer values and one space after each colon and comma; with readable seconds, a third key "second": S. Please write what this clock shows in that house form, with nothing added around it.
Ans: {"hour": 5, "minute": 13}
